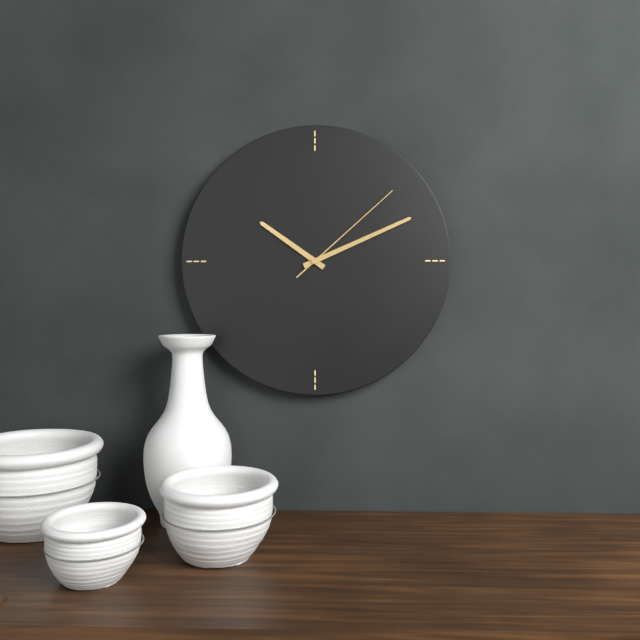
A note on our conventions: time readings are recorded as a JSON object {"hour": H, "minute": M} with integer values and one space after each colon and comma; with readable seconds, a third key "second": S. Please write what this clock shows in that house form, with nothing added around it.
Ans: {"hour": 10, "minute": 11, "second": 8}
